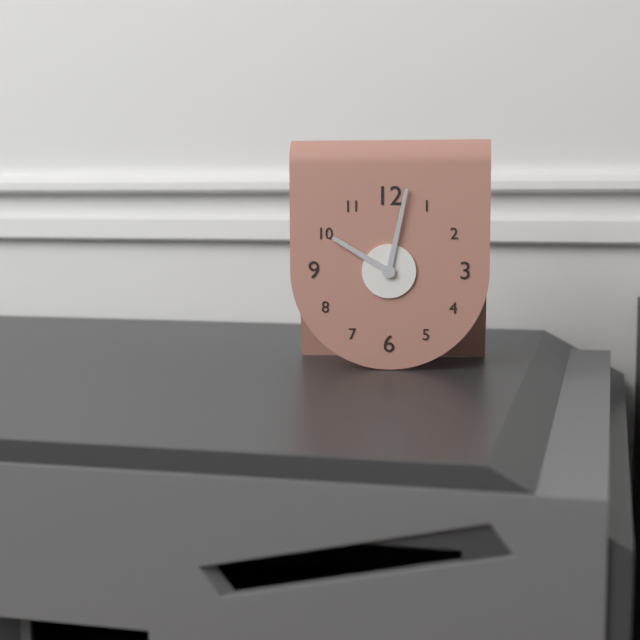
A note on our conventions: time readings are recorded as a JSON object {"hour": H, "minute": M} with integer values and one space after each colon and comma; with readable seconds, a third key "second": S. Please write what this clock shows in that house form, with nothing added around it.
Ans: {"hour": 10, "minute": 2}
